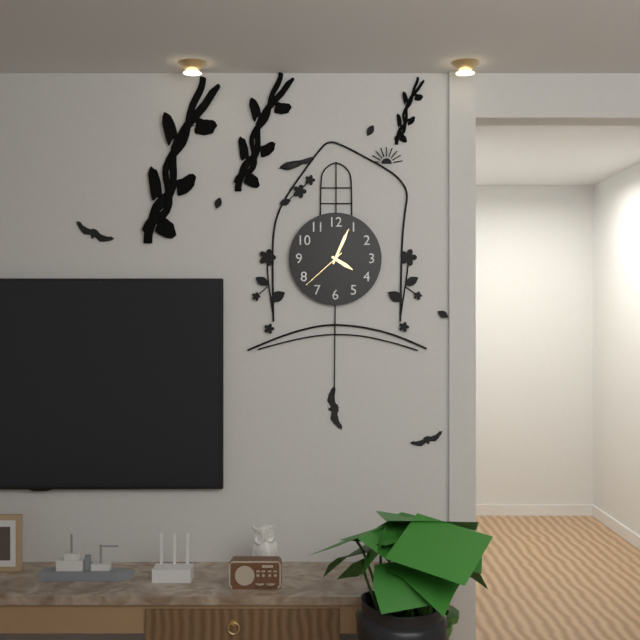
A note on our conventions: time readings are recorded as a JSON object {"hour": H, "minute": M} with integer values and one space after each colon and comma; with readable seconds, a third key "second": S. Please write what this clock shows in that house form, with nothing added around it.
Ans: {"hour": 4, "minute": 4}
